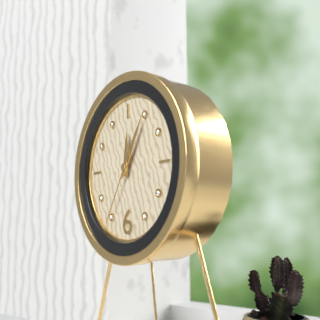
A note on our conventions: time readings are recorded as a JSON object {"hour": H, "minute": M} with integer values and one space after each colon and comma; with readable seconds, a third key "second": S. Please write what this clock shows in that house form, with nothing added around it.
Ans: {"hour": 12, "minute": 5, "second": 35}
